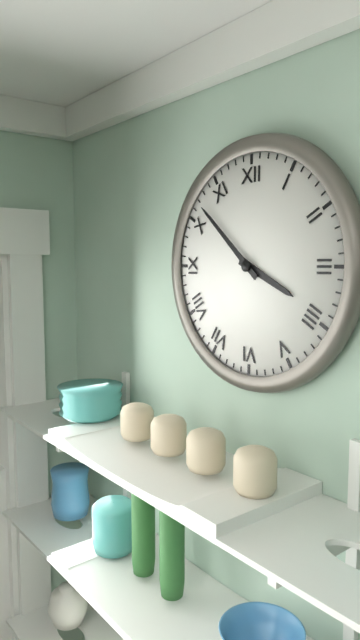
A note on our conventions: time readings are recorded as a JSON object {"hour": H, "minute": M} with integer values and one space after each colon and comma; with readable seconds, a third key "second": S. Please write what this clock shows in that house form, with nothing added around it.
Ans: {"hour": 3, "minute": 52}
